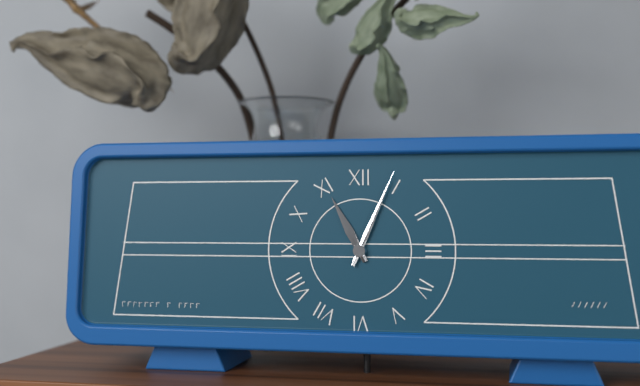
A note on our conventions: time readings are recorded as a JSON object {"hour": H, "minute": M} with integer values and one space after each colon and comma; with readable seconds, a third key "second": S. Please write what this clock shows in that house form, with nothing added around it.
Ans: {"hour": 11, "minute": 4}
